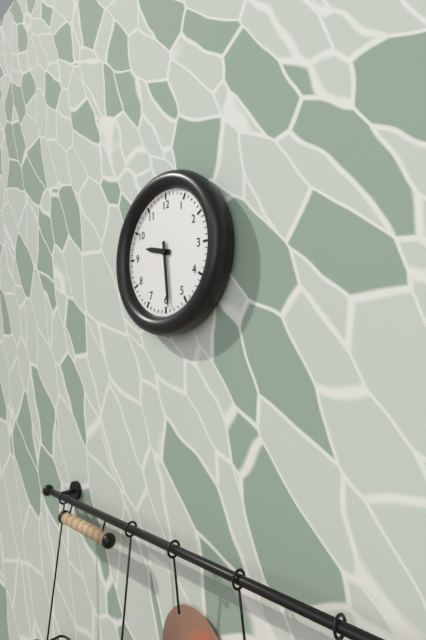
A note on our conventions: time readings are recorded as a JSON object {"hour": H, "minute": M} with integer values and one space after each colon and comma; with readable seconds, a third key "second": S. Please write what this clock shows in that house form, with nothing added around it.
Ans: {"hour": 9, "minute": 29}
